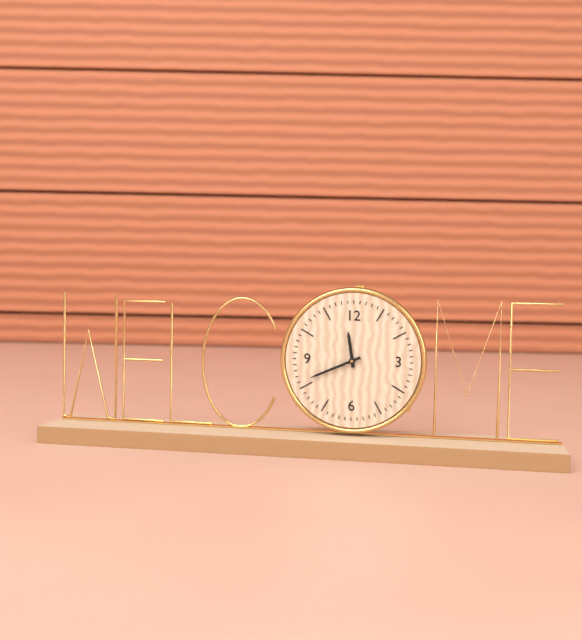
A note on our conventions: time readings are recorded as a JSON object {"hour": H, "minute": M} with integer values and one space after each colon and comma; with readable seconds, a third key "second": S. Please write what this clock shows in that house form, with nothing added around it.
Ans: {"hour": 11, "minute": 41}
